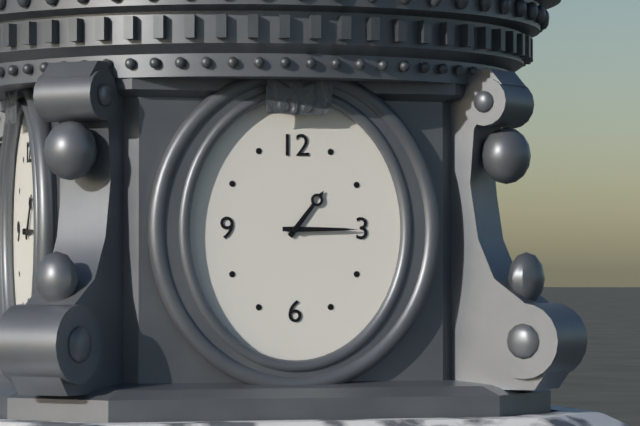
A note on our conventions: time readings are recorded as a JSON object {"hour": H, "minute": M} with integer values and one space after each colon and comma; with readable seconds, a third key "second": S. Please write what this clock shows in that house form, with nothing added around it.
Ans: {"hour": 1, "minute": 15}
